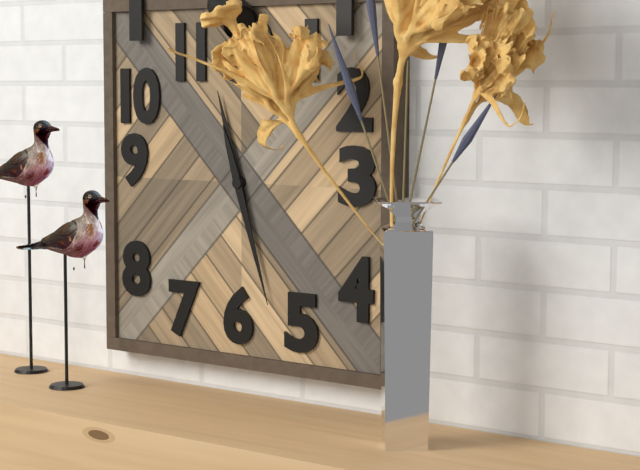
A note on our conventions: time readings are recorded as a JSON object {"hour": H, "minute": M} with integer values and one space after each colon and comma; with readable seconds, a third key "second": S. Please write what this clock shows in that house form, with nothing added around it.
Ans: {"hour": 11, "minute": 27}
